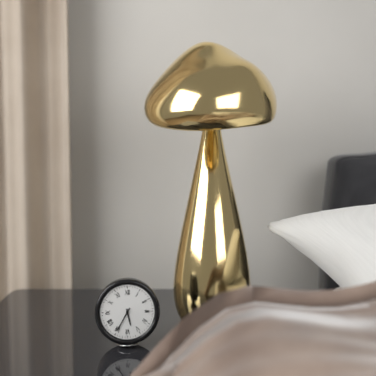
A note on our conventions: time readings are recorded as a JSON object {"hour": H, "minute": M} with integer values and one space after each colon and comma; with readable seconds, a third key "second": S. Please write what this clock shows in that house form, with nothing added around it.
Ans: {"hour": 5, "minute": 35}
